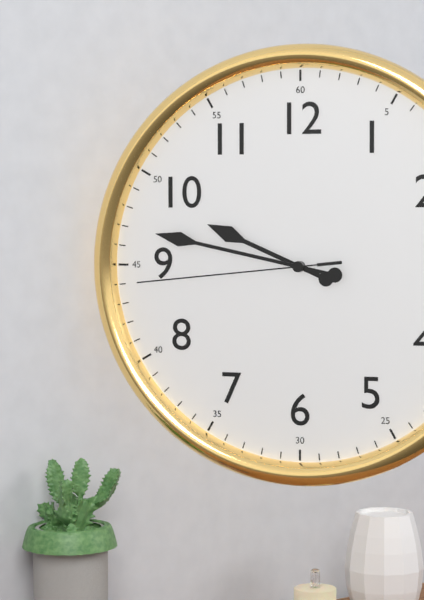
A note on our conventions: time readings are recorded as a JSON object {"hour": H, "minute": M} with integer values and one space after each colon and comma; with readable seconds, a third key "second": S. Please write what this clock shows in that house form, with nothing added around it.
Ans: {"hour": 9, "minute": 47, "second": 44}
